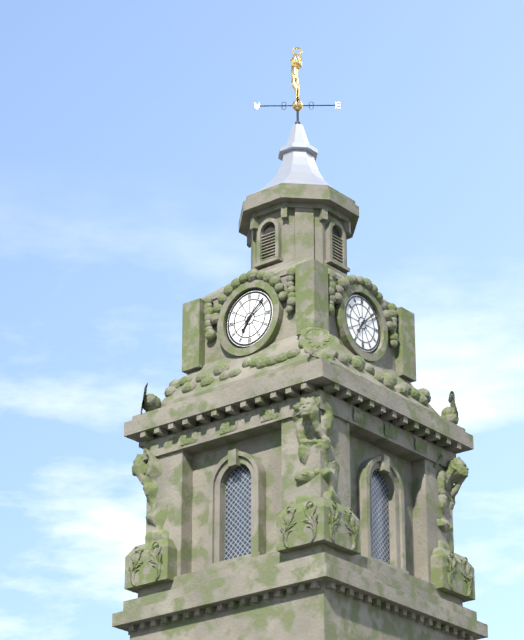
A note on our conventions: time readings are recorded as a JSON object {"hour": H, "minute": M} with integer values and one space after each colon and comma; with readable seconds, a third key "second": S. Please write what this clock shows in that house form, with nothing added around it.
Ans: {"hour": 7, "minute": 8}
